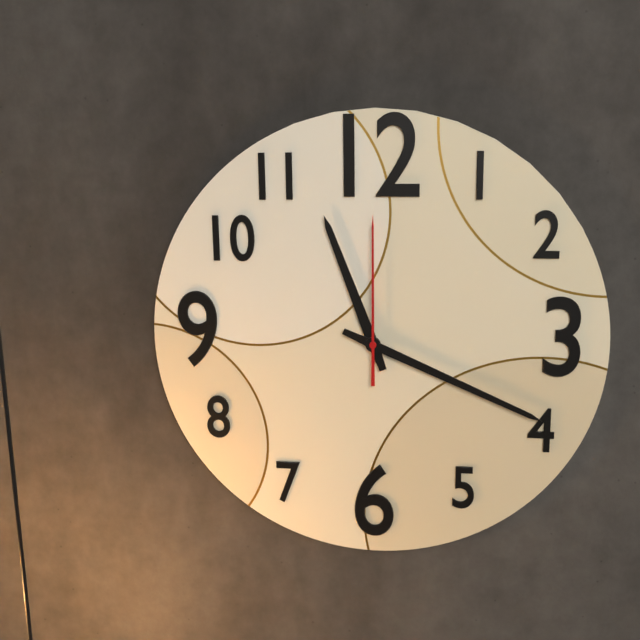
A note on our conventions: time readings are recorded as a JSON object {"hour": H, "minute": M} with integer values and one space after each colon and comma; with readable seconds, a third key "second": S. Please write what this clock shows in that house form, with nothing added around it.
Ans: {"hour": 11, "minute": 19, "second": 0}
